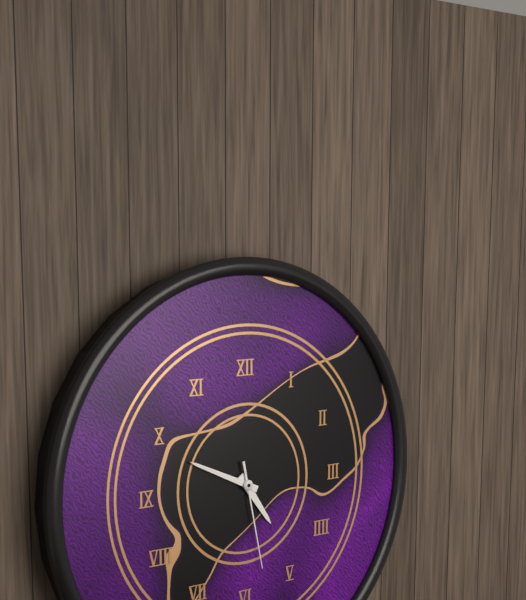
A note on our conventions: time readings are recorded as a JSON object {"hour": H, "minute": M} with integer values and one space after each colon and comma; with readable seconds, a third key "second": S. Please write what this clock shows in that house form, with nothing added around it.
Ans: {"hour": 4, "minute": 49, "second": 28}
